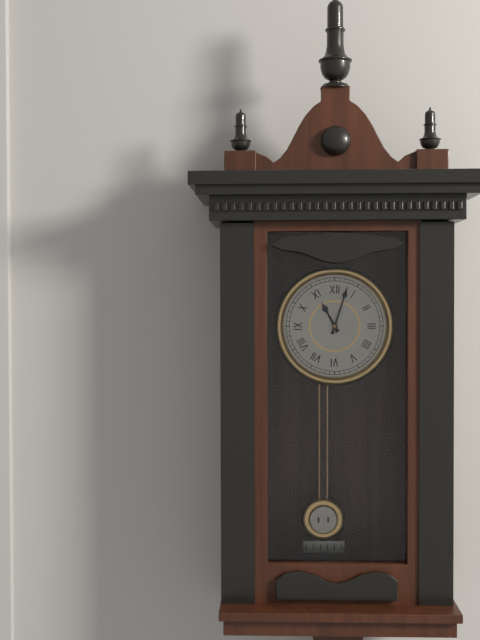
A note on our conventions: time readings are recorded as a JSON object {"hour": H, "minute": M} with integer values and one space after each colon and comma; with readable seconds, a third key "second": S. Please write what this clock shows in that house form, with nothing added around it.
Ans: {"hour": 11, "minute": 3}
